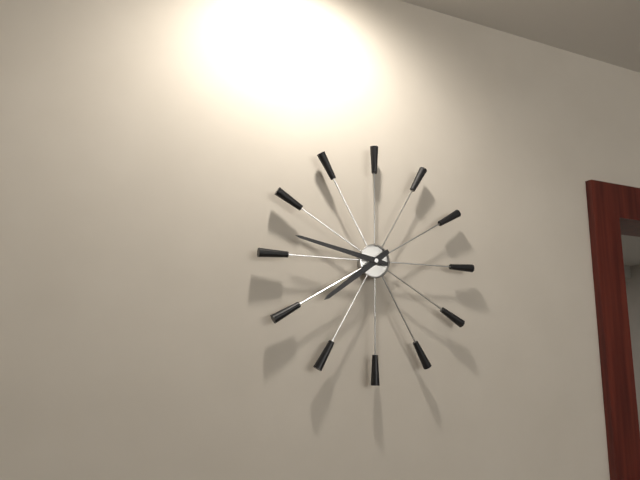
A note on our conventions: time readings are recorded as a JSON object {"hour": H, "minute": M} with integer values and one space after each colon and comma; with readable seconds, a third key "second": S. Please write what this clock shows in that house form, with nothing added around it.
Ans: {"hour": 7, "minute": 47}
